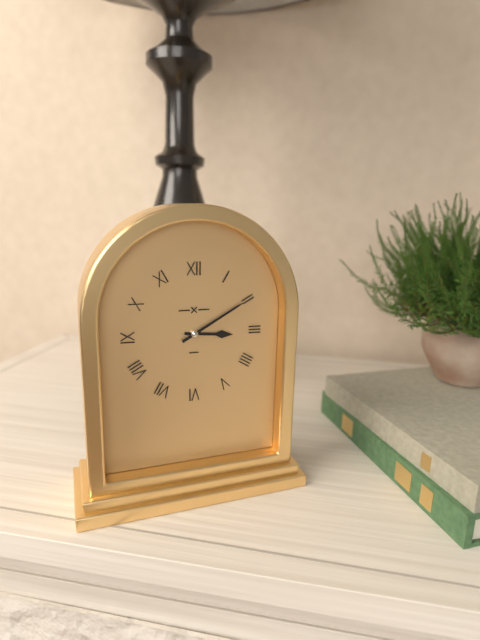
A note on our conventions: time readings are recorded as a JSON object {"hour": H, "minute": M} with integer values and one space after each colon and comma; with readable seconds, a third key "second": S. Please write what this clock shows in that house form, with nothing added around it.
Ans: {"hour": 3, "minute": 10}
